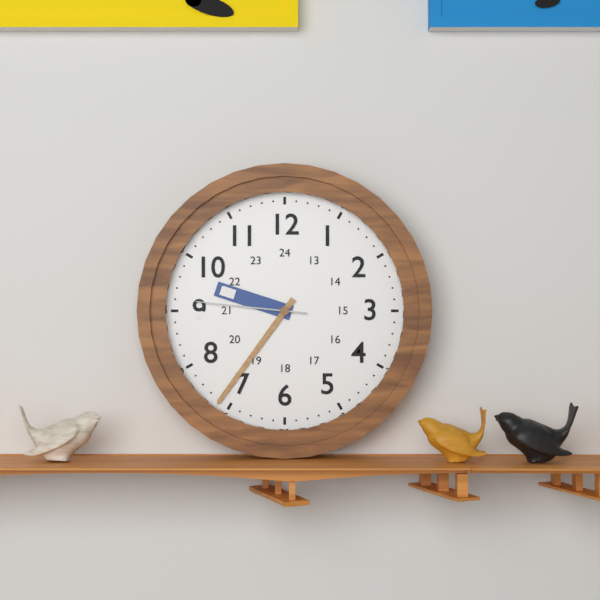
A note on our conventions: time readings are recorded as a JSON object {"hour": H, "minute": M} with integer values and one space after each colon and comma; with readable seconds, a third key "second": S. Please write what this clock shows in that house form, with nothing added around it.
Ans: {"hour": 9, "minute": 36, "second": 46}
